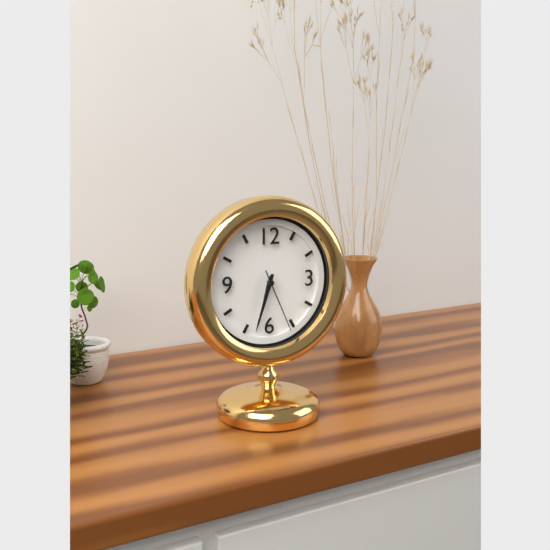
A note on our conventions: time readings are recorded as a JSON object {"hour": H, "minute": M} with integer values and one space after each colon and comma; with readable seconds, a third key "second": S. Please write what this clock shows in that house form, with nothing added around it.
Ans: {"hour": 6, "minute": 33, "second": 26}
